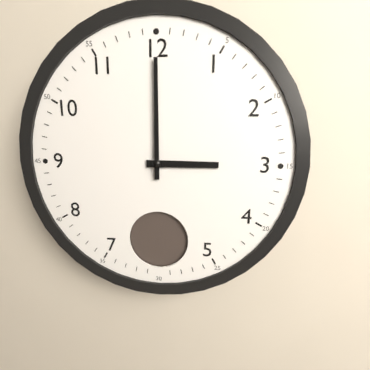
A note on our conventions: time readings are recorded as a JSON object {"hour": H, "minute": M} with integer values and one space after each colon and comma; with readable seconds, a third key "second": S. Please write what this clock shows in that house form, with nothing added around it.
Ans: {"hour": 3, "minute": 0}
